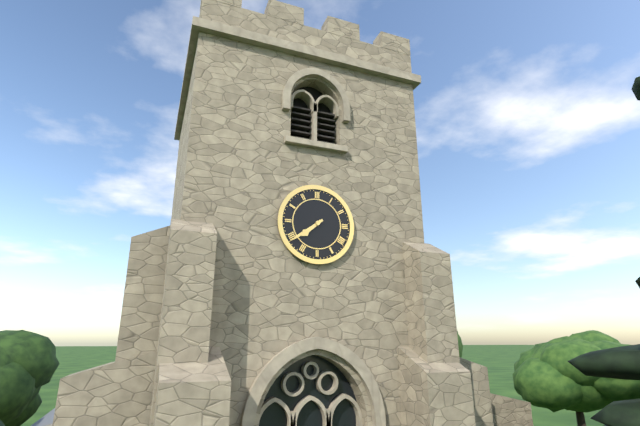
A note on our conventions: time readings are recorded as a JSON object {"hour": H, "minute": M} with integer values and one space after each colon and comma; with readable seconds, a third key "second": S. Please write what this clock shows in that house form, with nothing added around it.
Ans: {"hour": 7, "minute": 39}
